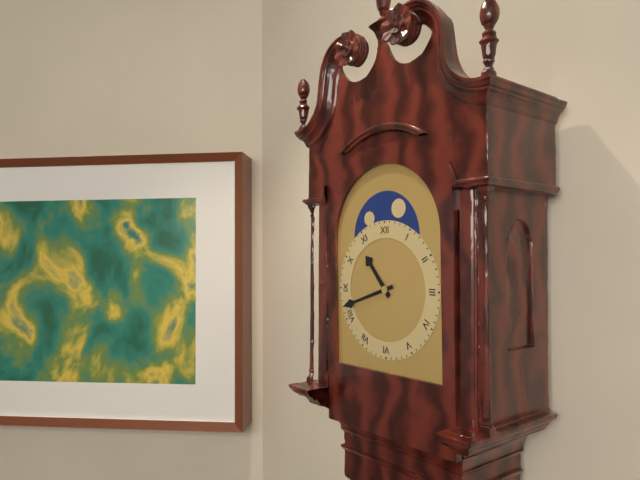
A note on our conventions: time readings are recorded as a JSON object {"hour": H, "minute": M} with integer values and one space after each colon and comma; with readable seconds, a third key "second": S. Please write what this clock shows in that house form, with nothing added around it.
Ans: {"hour": 10, "minute": 42}
